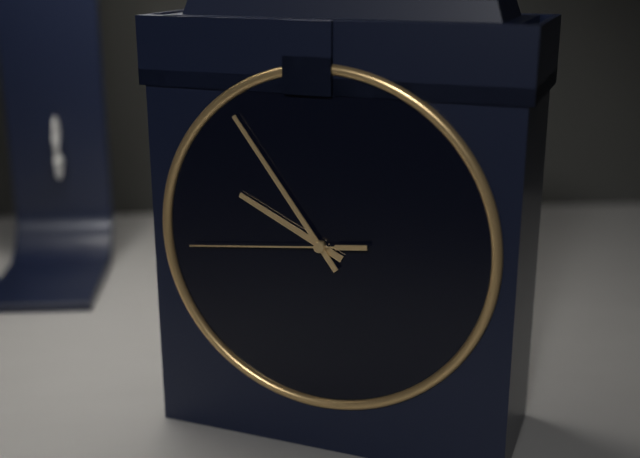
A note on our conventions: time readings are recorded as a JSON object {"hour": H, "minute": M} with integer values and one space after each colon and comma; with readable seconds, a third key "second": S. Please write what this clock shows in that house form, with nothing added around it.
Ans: {"hour": 9, "minute": 54, "second": 44}
